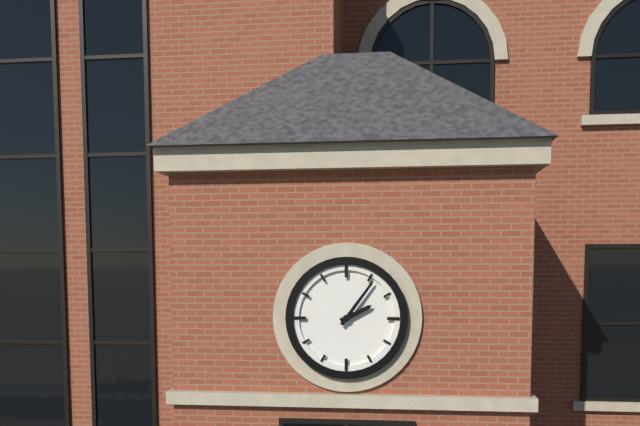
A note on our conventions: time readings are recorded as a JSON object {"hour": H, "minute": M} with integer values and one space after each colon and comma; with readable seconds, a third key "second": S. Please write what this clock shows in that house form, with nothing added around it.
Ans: {"hour": 2, "minute": 6}
